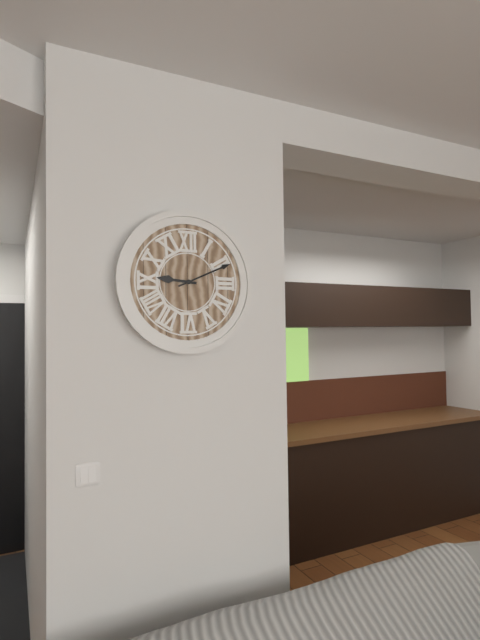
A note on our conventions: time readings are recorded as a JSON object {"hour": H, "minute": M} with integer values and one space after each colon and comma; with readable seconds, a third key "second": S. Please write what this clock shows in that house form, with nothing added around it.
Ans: {"hour": 9, "minute": 11}
